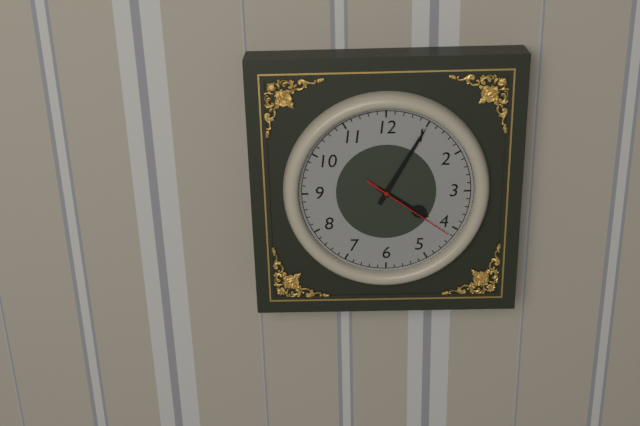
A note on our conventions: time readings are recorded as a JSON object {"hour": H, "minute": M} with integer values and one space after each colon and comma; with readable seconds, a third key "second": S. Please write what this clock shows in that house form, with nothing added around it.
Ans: {"hour": 4, "minute": 5, "second": 21}
